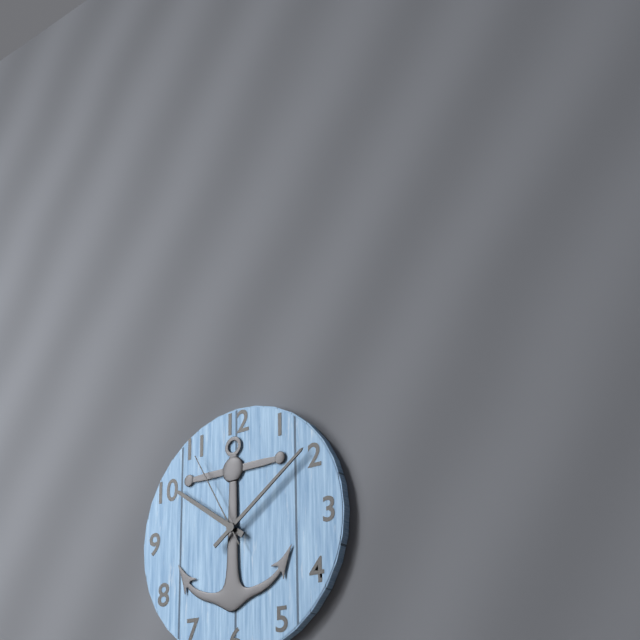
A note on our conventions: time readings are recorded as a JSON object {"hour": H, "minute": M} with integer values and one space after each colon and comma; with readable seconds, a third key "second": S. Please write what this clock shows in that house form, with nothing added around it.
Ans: {"hour": 10, "minute": 9, "second": 55}
